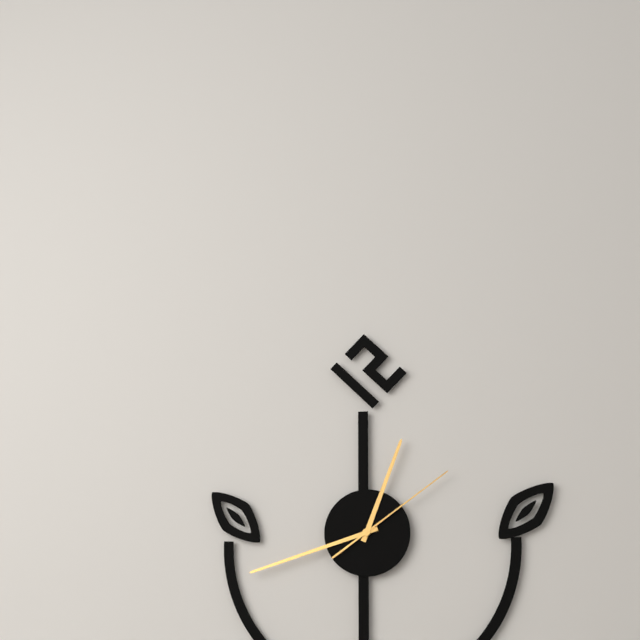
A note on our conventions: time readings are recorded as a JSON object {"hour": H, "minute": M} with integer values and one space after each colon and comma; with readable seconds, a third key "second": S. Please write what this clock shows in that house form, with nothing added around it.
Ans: {"hour": 12, "minute": 42, "second": 9}
